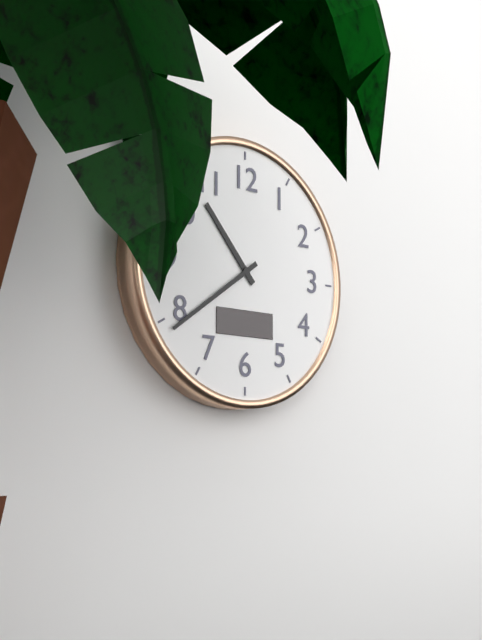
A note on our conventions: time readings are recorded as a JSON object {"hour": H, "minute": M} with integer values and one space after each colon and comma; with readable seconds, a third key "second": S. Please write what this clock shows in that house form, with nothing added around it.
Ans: {"hour": 10, "minute": 39}
